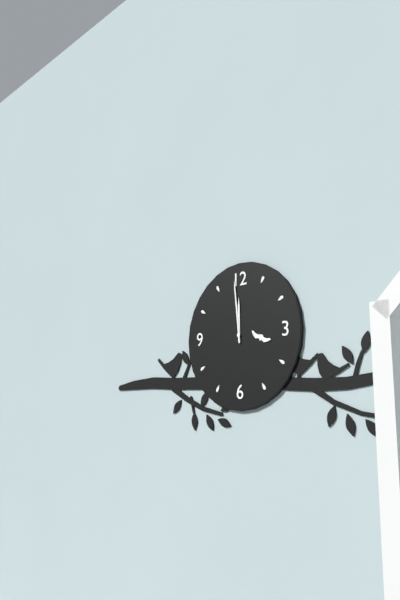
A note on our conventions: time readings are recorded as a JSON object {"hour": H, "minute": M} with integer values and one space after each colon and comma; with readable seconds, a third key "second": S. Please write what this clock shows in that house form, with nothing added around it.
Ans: {"hour": 11, "minute": 59}
